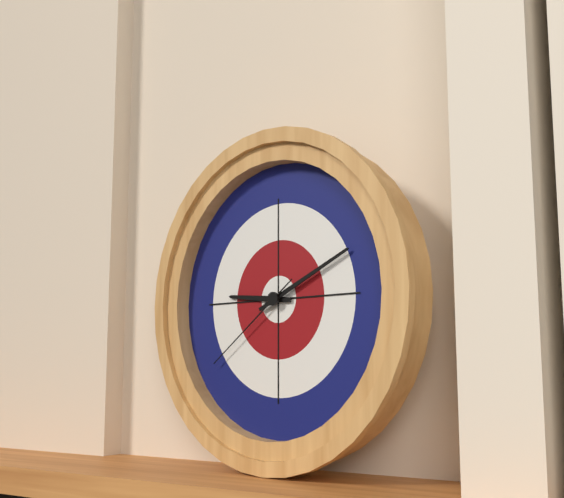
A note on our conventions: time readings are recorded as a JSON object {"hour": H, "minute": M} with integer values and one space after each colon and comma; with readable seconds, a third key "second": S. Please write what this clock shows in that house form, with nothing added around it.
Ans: {"hour": 9, "minute": 11, "second": 39}
